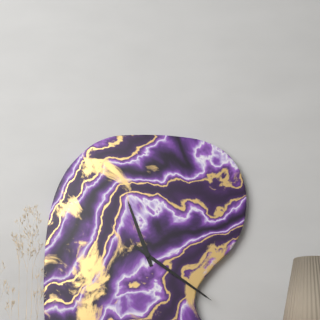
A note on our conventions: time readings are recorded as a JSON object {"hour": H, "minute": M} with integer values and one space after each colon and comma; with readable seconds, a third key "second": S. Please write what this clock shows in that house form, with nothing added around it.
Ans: {"hour": 11, "minute": 21}
